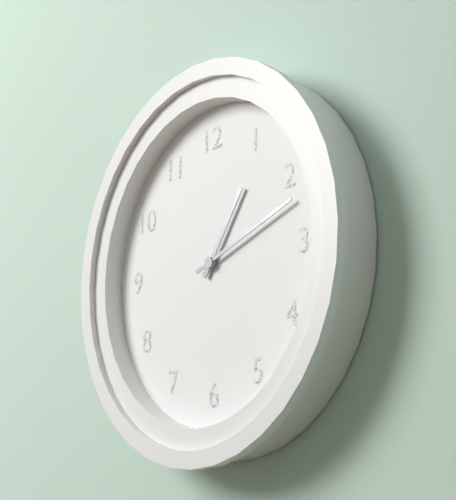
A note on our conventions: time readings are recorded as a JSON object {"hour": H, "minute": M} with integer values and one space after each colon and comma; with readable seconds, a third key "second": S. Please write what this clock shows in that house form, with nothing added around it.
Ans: {"hour": 1, "minute": 12}
